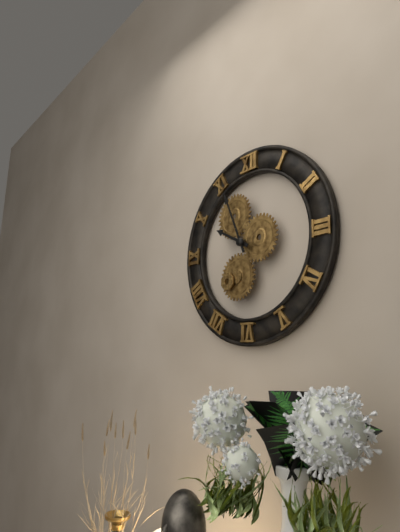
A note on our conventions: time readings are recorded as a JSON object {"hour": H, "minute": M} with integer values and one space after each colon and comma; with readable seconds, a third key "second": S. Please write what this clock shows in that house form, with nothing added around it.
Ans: {"hour": 9, "minute": 56}
